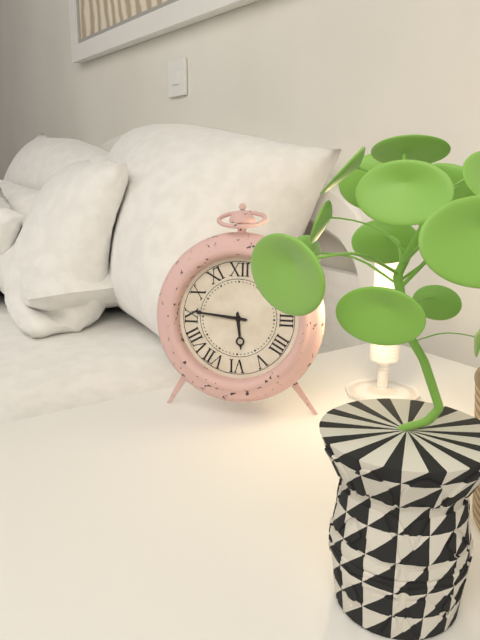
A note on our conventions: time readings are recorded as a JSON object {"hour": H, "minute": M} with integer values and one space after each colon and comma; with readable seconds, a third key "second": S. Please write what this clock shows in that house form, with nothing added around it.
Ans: {"hour": 5, "minute": 46}
